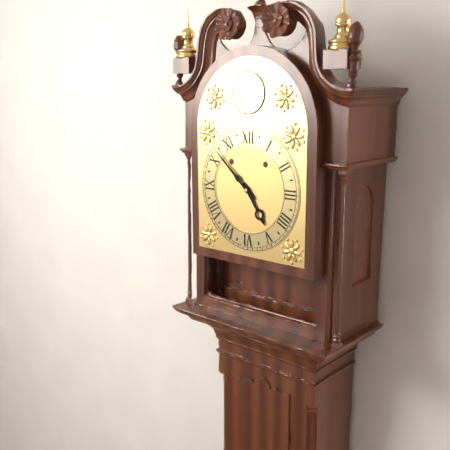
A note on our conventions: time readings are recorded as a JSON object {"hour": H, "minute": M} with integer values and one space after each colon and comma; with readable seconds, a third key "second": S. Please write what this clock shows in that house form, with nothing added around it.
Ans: {"hour": 4, "minute": 52}
